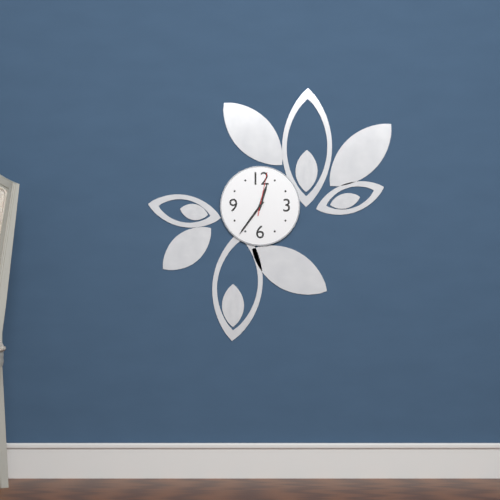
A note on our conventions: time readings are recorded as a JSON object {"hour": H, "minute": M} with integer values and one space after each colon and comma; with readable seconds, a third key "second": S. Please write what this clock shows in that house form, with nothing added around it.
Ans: {"hour": 12, "minute": 36}
